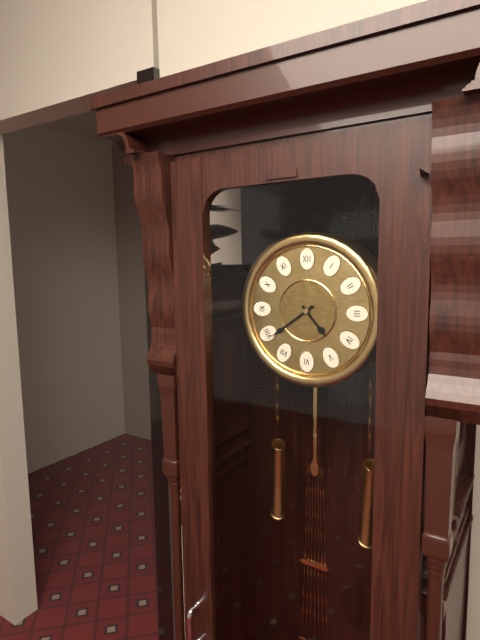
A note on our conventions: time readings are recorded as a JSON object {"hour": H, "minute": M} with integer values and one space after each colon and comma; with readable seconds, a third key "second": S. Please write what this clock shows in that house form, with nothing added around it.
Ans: {"hour": 4, "minute": 39}
